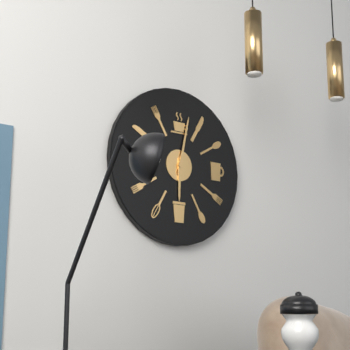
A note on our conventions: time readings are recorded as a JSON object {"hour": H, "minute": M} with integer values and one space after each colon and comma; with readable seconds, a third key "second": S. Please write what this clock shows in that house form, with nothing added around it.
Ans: {"hour": 6, "minute": 2}
